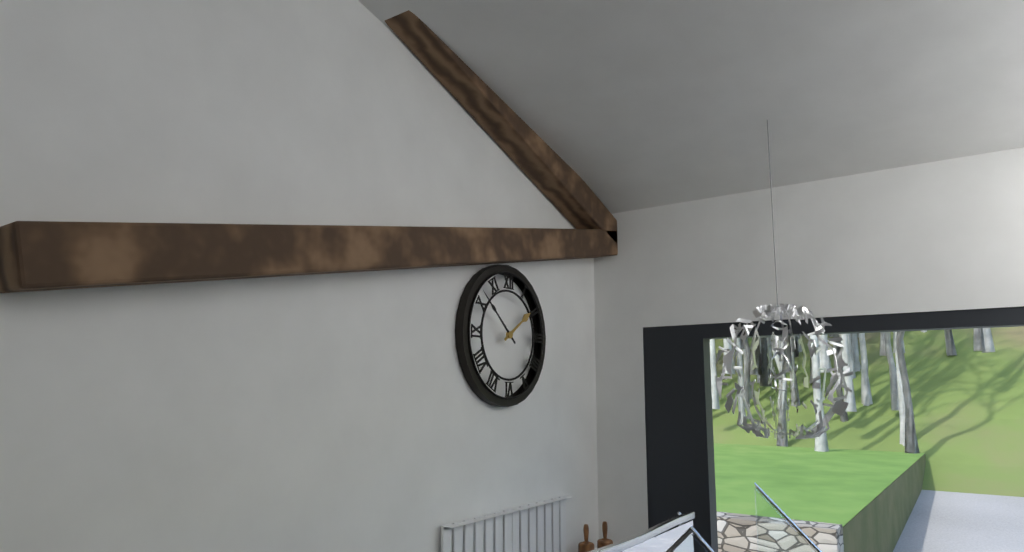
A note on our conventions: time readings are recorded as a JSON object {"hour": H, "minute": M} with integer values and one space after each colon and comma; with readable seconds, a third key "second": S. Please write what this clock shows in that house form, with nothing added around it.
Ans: {"hour": 1, "minute": 52}
